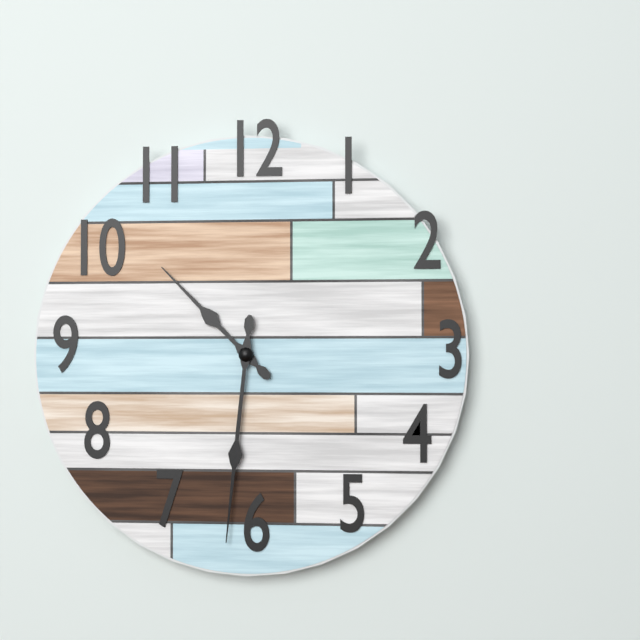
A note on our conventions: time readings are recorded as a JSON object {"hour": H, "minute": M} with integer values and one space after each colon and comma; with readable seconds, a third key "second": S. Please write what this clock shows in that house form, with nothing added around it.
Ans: {"hour": 10, "minute": 31}
